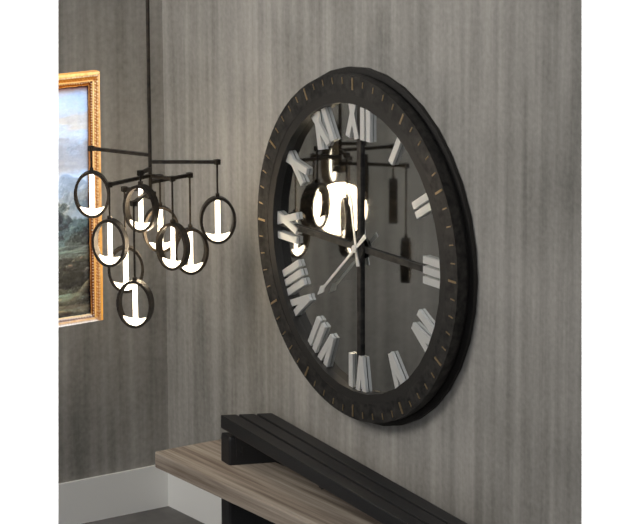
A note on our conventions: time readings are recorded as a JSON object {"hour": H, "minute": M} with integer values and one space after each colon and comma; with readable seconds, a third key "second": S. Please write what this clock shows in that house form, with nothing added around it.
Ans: {"hour": 11, "minute": 38}
